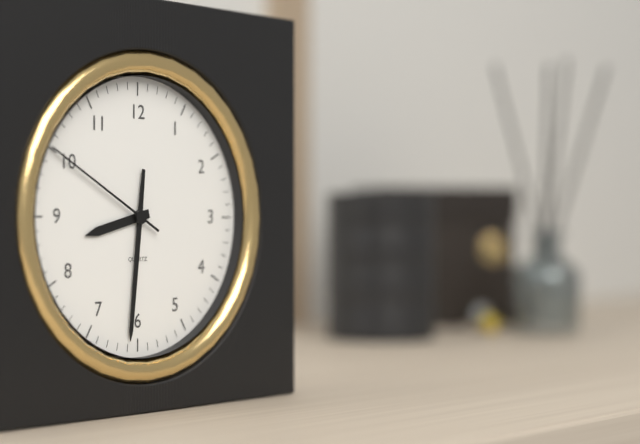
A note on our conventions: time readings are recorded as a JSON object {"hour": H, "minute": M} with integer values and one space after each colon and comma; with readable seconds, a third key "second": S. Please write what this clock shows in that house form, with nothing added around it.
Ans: {"hour": 8, "minute": 31, "second": 50}
